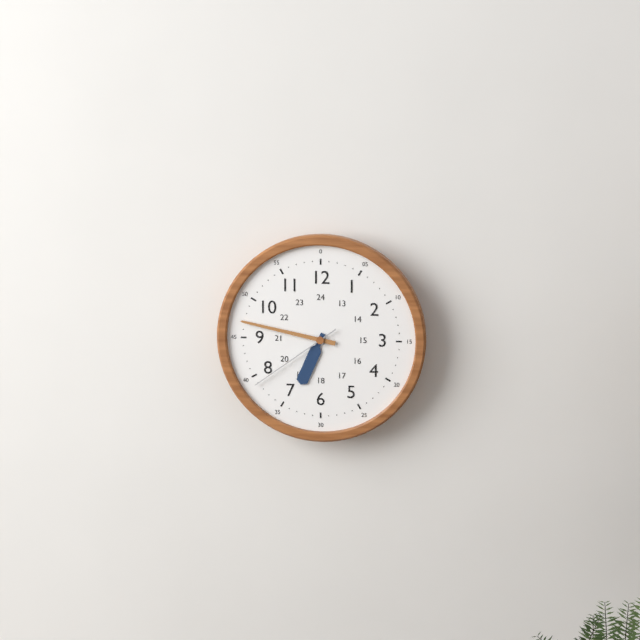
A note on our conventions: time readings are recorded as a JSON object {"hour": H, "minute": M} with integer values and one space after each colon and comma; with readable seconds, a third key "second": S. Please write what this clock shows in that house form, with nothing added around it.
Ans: {"hour": 6, "minute": 47, "second": 39}
